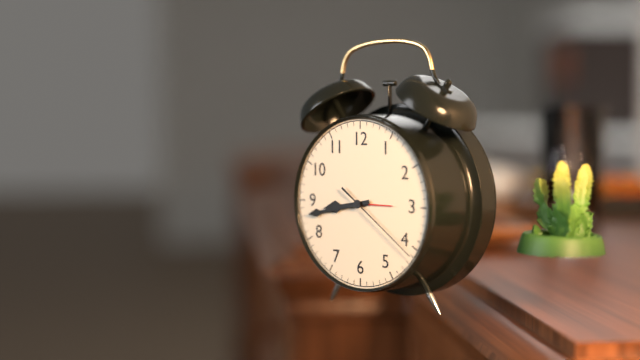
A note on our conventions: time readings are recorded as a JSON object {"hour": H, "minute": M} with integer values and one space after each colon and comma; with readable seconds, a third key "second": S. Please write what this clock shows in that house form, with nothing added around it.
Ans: {"hour": 8, "minute": 43, "second": 21}
